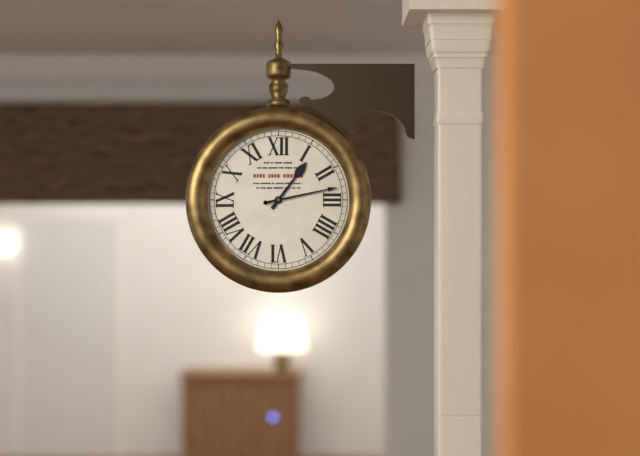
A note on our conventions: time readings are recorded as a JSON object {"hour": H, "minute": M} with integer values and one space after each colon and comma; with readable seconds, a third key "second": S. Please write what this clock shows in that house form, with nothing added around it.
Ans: {"hour": 1, "minute": 13}
